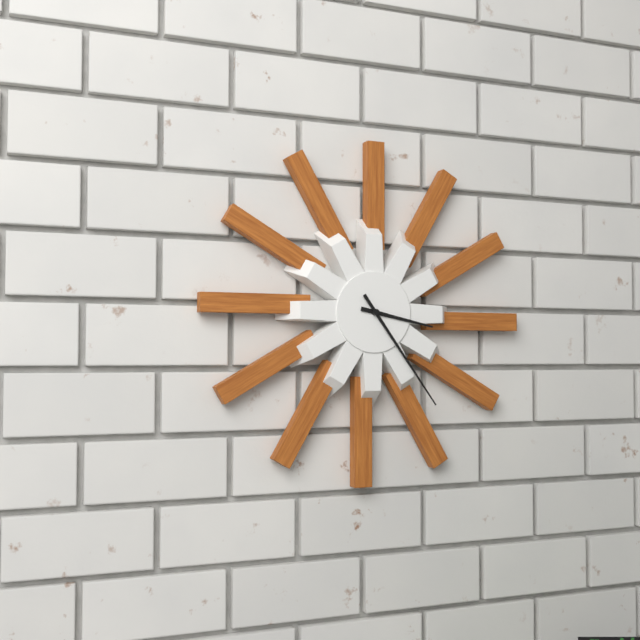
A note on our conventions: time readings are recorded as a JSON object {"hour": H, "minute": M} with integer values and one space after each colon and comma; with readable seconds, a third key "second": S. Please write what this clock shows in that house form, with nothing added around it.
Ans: {"hour": 3, "minute": 24}
